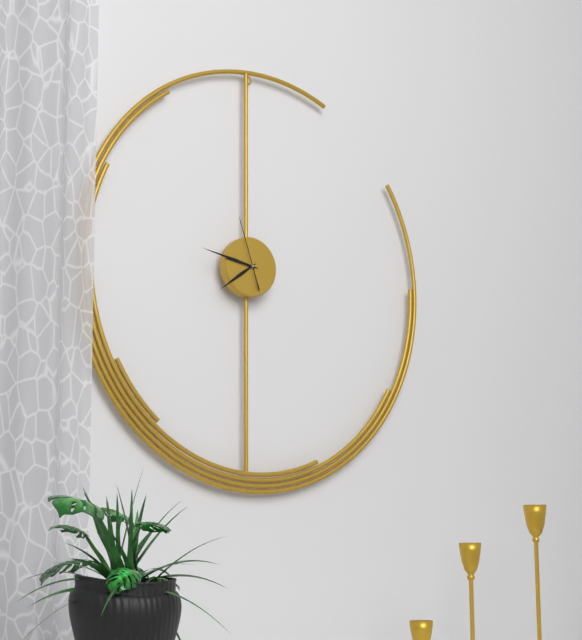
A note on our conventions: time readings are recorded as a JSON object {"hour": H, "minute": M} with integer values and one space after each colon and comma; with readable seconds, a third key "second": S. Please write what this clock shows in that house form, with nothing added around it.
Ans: {"hour": 7, "minute": 47, "second": 57}
